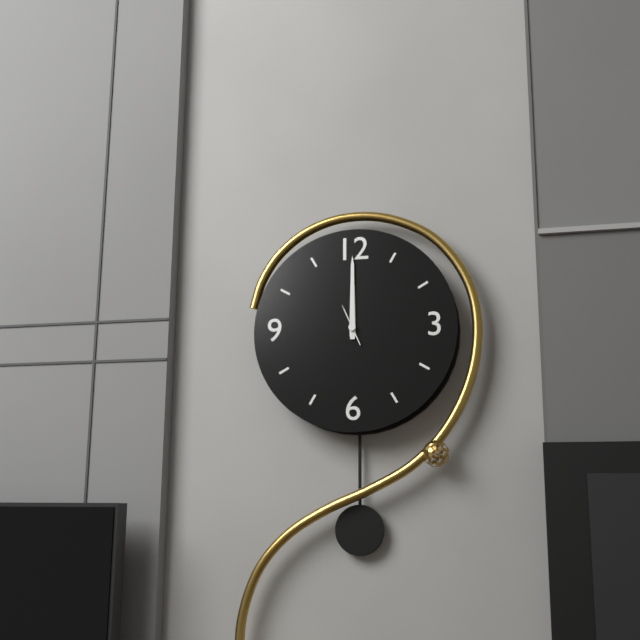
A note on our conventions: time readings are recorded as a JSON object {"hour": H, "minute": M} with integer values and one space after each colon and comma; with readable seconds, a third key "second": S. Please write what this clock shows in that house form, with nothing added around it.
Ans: {"hour": 12, "minute": 0}
